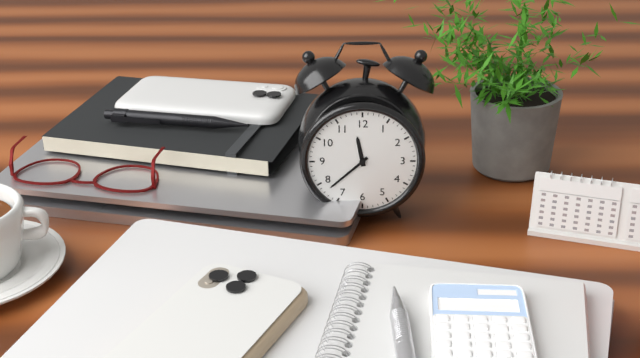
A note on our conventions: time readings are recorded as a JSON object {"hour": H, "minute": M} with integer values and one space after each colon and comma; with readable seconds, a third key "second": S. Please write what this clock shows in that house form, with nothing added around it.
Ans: {"hour": 11, "minute": 38}
